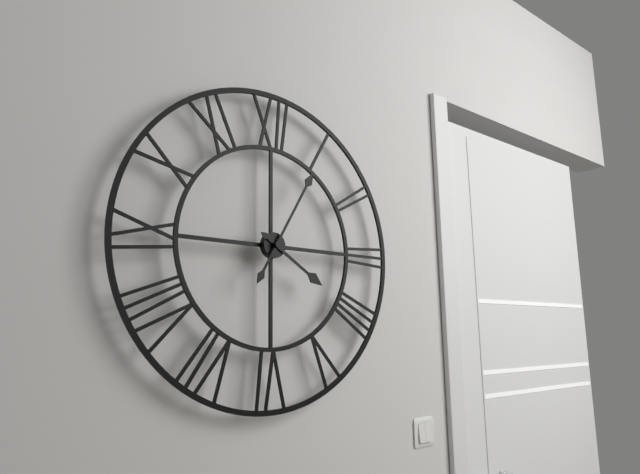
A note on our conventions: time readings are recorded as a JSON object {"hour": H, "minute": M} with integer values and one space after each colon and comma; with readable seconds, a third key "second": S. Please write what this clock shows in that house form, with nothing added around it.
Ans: {"hour": 4, "minute": 5}
